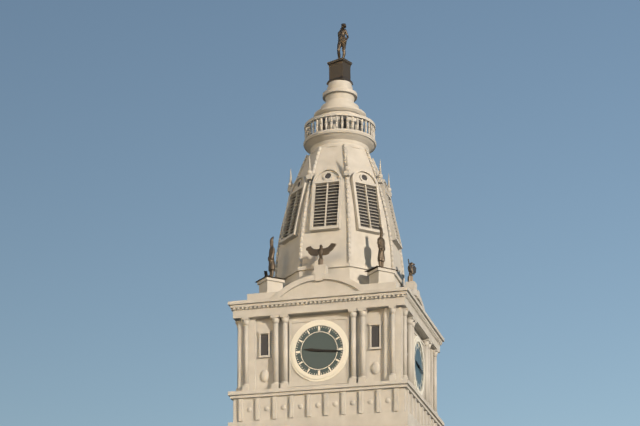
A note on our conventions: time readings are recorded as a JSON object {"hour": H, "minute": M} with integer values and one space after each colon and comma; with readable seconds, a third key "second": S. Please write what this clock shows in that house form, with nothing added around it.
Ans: {"hour": 9, "minute": 16}
